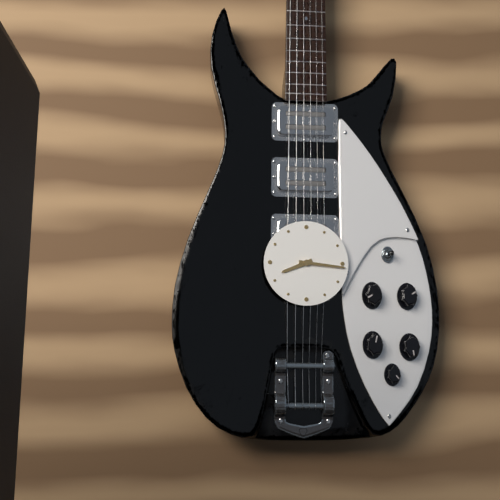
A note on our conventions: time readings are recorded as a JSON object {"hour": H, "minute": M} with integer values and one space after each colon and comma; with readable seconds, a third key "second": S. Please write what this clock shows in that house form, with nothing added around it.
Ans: {"hour": 8, "minute": 16}
